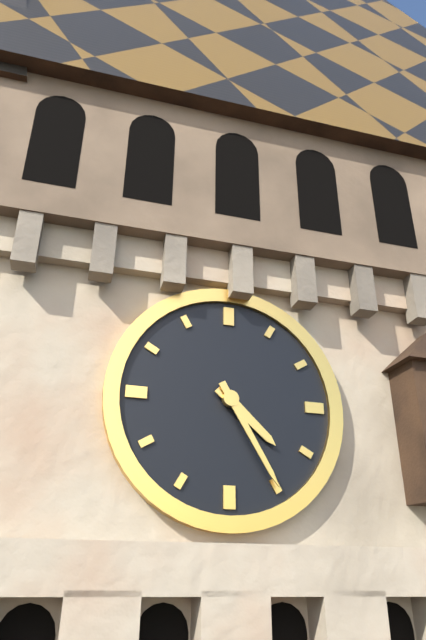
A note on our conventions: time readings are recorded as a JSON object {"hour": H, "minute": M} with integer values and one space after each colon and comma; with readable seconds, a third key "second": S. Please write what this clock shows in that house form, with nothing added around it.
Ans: {"hour": 4, "minute": 25}
